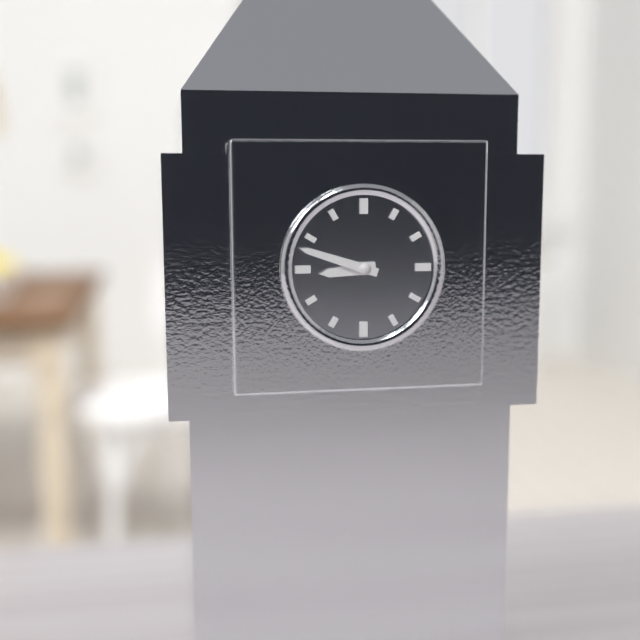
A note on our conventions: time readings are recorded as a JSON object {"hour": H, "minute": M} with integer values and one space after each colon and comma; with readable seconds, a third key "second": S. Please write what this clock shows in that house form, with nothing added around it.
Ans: {"hour": 8, "minute": 48}
